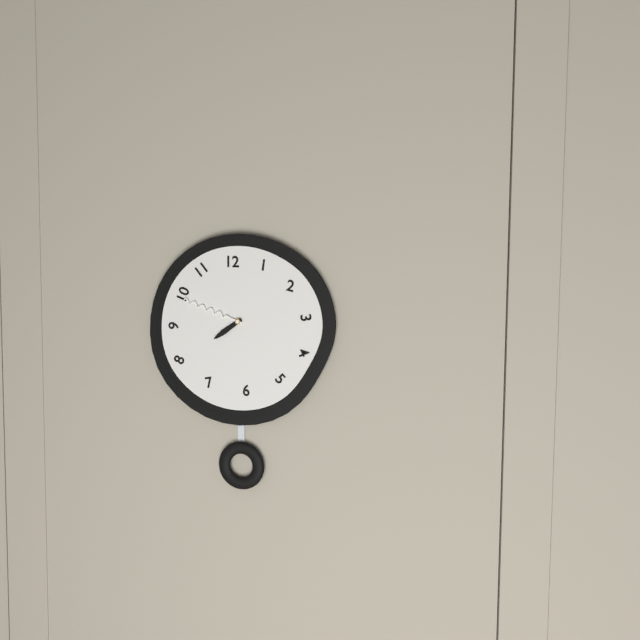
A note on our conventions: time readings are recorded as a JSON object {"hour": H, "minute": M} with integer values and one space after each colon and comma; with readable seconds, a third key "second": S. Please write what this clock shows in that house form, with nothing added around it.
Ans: {"hour": 7, "minute": 48}
